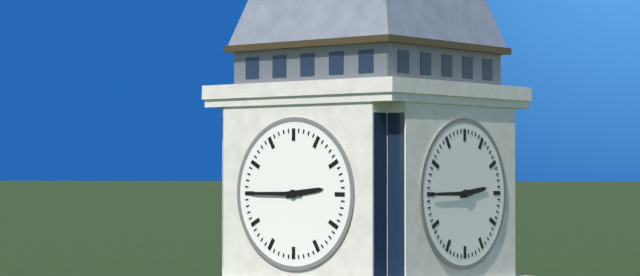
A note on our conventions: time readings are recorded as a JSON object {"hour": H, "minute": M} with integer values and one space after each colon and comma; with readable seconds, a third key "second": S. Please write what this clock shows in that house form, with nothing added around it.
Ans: {"hour": 2, "minute": 45}
